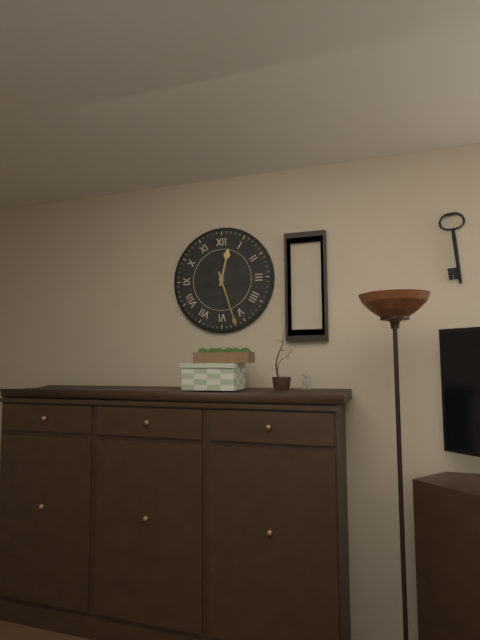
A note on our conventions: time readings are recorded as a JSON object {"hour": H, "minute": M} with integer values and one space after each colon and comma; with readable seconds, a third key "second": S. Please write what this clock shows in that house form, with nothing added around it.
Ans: {"hour": 12, "minute": 27}
